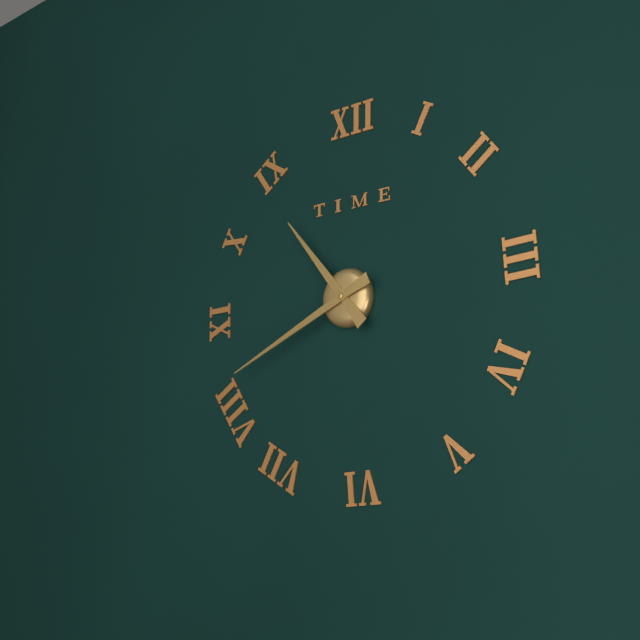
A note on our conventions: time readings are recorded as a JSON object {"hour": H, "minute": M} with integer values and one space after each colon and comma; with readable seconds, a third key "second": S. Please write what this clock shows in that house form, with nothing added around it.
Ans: {"hour": 10, "minute": 41}
